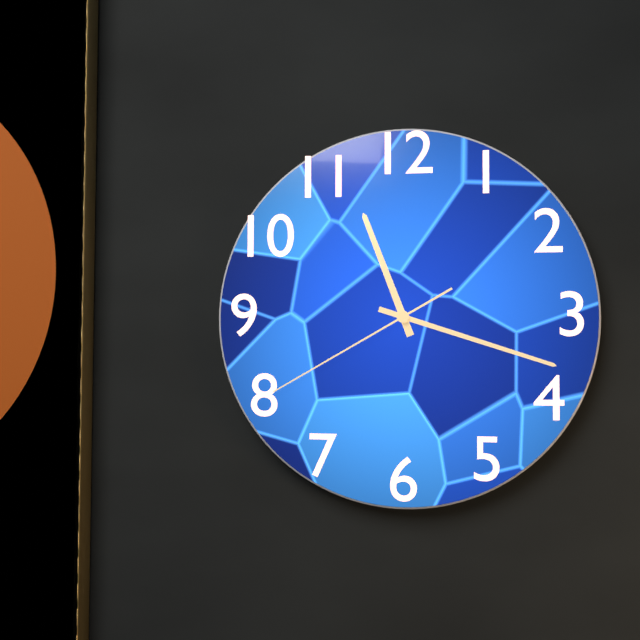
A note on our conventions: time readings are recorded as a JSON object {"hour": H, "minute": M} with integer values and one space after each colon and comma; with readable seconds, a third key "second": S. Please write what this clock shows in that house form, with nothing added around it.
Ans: {"hour": 11, "minute": 18, "second": 40}
